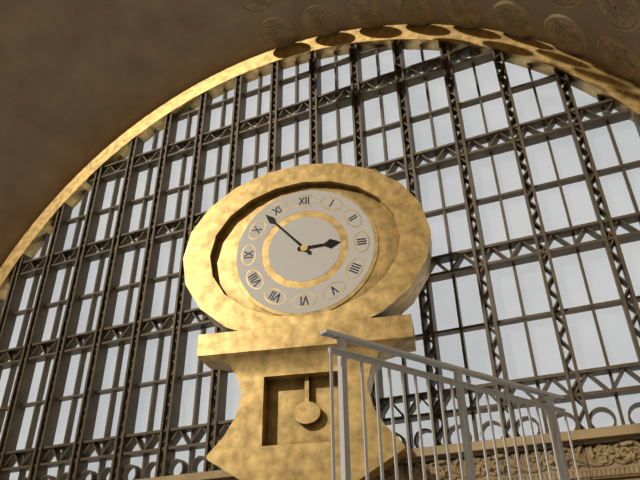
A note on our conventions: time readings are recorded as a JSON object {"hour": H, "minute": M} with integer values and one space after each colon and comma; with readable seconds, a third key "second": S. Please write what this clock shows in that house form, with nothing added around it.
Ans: {"hour": 2, "minute": 53}
